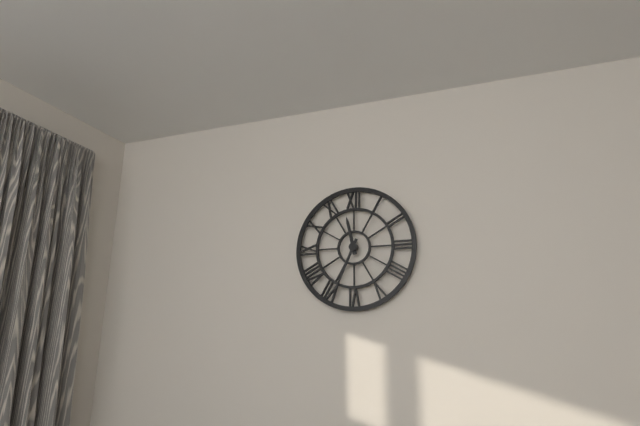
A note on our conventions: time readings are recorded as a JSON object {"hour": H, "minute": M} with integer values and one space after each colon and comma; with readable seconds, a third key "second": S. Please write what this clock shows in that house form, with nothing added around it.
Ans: {"hour": 11, "minute": 34}
